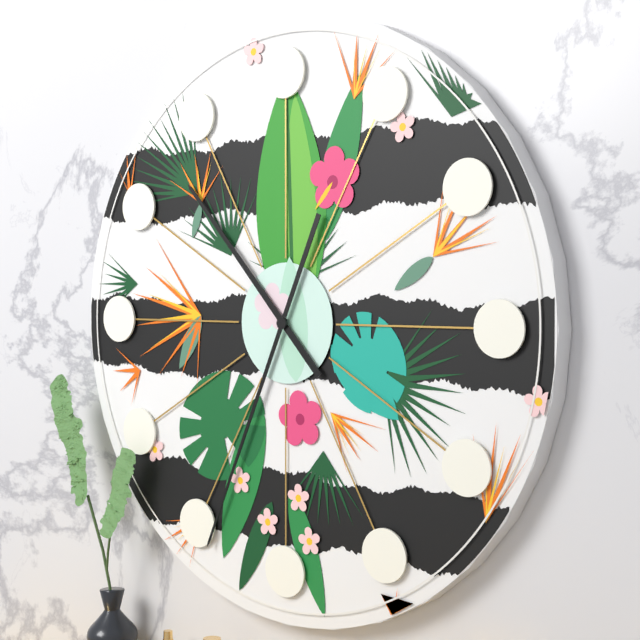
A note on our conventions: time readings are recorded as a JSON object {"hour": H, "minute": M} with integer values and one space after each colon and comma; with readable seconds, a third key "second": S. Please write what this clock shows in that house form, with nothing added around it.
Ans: {"hour": 10, "minute": 34}
